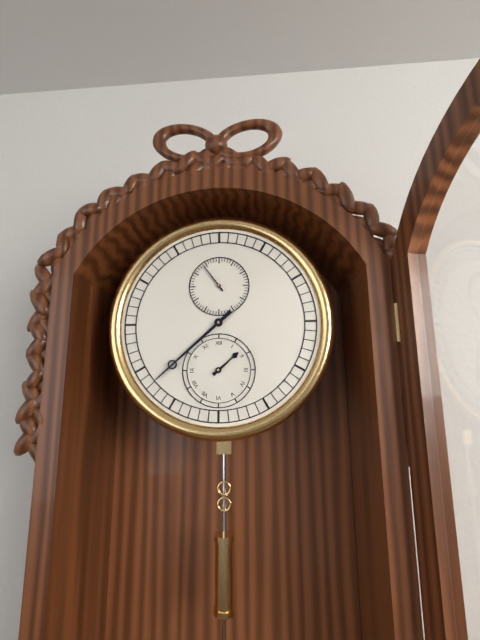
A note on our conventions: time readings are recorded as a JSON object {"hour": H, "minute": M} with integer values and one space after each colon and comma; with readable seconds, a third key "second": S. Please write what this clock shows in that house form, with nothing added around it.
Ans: {"hour": 1, "minute": 38}
